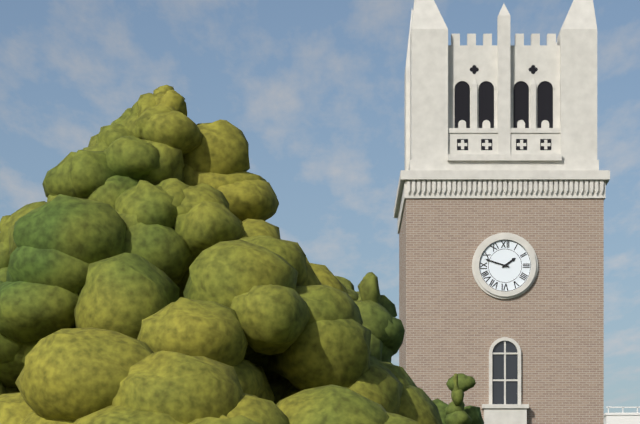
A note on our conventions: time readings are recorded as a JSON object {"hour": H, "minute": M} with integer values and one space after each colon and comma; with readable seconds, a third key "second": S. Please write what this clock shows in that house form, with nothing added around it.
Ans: {"hour": 1, "minute": 48}
